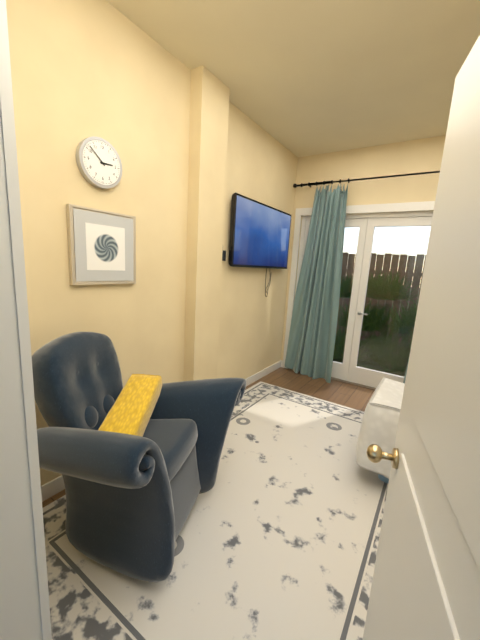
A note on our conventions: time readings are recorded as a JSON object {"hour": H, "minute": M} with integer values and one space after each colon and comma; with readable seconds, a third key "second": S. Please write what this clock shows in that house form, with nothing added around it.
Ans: {"hour": 2, "minute": 52}
